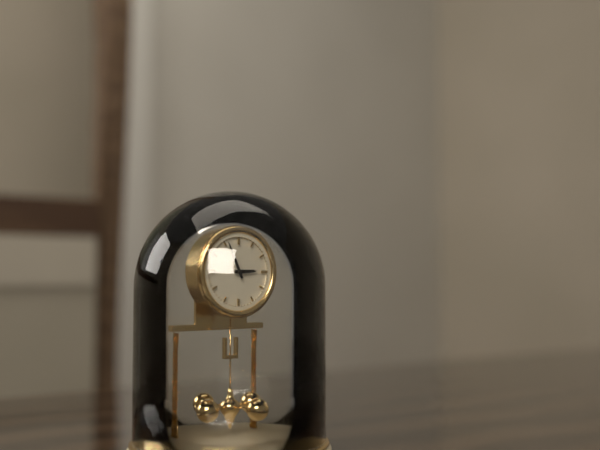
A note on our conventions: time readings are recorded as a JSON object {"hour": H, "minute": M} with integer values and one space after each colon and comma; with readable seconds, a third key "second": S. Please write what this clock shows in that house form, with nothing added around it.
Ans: {"hour": 2, "minute": 56}
